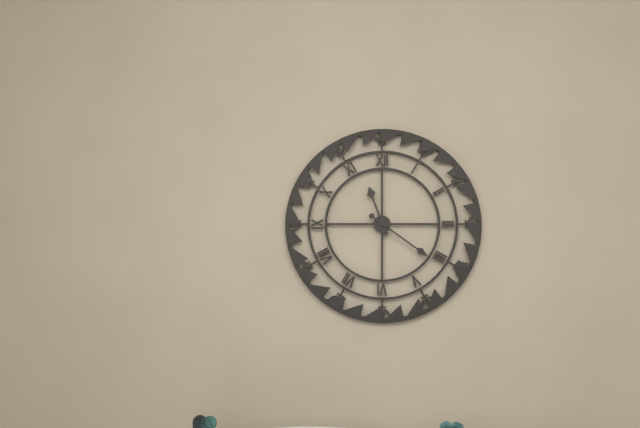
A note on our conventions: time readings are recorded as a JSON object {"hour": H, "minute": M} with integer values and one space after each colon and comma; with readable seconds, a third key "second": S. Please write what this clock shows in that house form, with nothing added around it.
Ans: {"hour": 11, "minute": 21}
